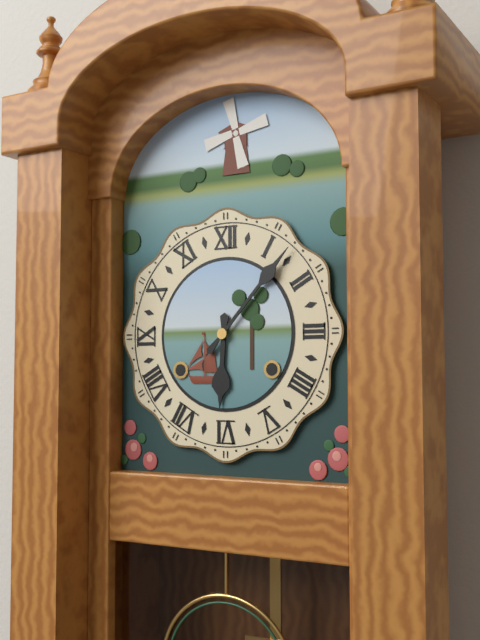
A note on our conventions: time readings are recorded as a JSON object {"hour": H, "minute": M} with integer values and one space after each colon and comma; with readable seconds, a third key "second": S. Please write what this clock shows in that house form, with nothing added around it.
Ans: {"hour": 6, "minute": 7}
